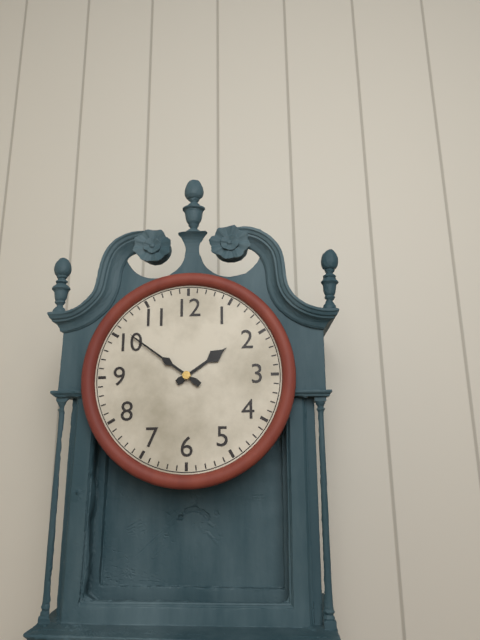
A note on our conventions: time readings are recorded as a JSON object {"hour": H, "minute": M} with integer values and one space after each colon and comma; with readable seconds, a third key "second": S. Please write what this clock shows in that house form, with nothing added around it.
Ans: {"hour": 1, "minute": 51}
